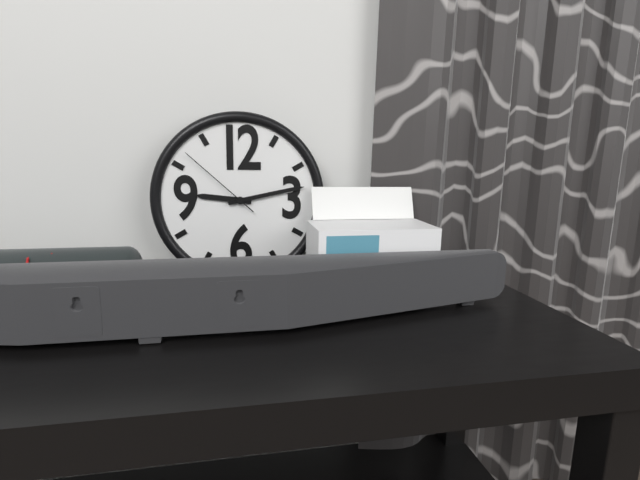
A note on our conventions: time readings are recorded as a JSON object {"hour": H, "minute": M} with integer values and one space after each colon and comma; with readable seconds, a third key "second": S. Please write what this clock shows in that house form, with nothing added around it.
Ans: {"hour": 9, "minute": 13, "second": 52}
